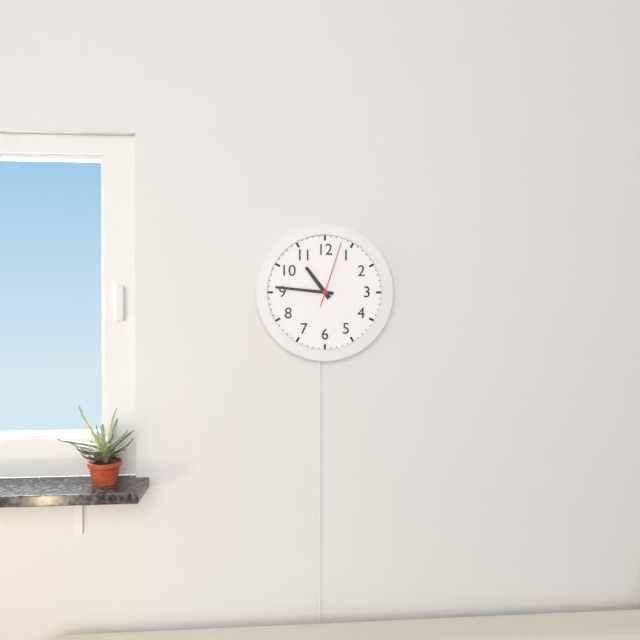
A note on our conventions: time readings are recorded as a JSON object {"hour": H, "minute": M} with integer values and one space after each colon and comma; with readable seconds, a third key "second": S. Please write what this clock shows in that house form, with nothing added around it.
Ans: {"hour": 10, "minute": 46, "second": 3}
